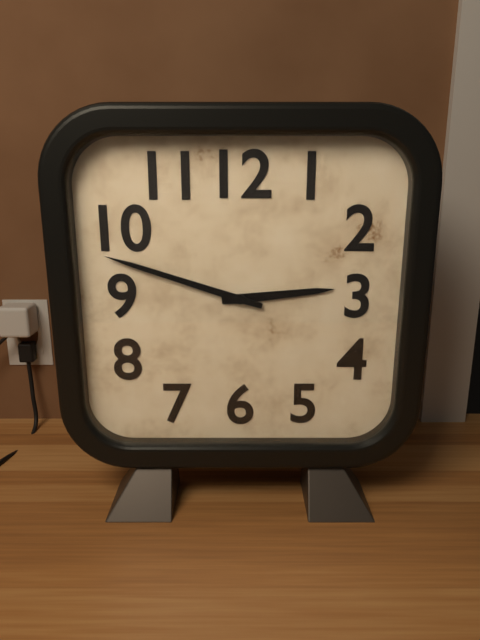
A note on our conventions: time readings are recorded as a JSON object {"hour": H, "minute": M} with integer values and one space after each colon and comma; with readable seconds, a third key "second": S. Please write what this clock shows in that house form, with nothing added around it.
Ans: {"hour": 2, "minute": 48}
